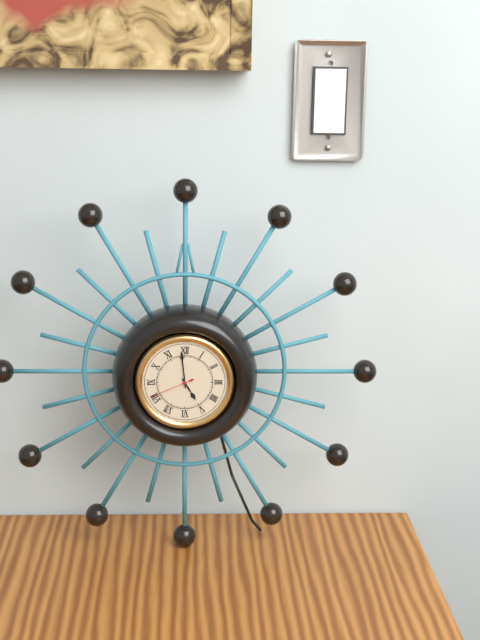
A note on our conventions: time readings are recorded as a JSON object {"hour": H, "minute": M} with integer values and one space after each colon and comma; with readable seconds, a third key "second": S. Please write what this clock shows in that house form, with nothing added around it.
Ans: {"hour": 4, "minute": 59, "second": 41}
